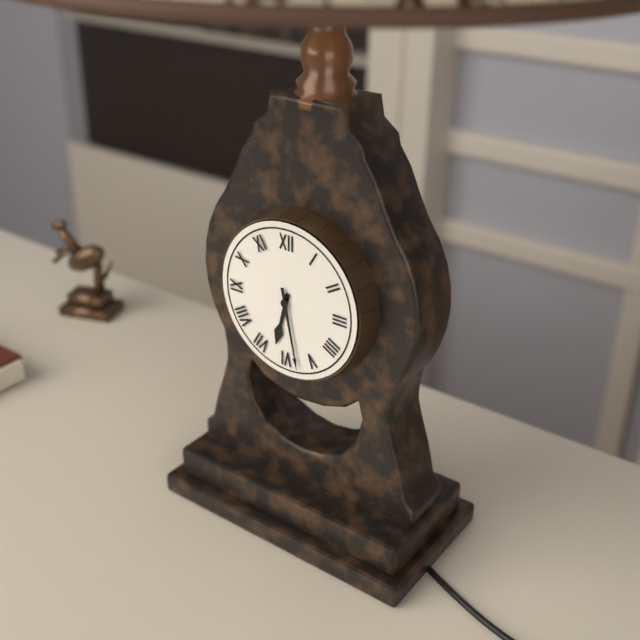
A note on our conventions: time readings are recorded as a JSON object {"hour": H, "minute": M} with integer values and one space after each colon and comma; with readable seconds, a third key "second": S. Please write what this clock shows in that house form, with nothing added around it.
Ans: {"hour": 6, "minute": 28}
